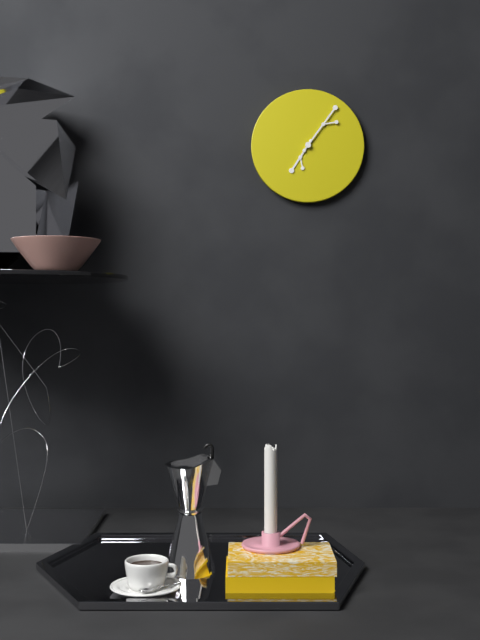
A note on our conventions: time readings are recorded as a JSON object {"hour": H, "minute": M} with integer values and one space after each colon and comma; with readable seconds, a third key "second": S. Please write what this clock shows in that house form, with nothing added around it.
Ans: {"hour": 7, "minute": 6}
